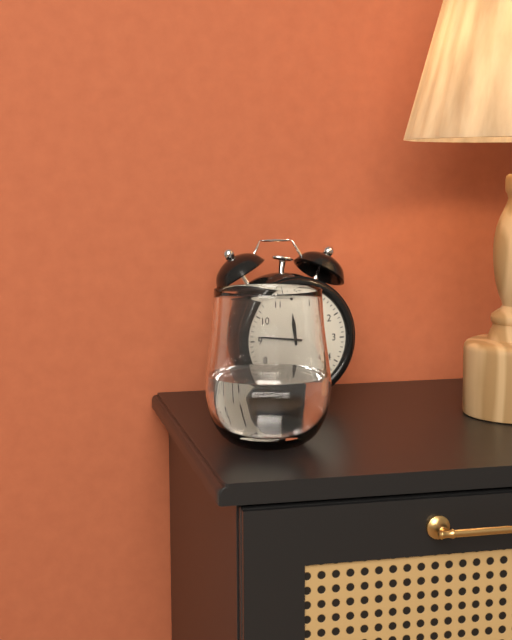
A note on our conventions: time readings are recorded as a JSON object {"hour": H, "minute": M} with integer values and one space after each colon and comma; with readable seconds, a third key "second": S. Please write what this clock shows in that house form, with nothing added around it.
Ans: {"hour": 11, "minute": 46}
